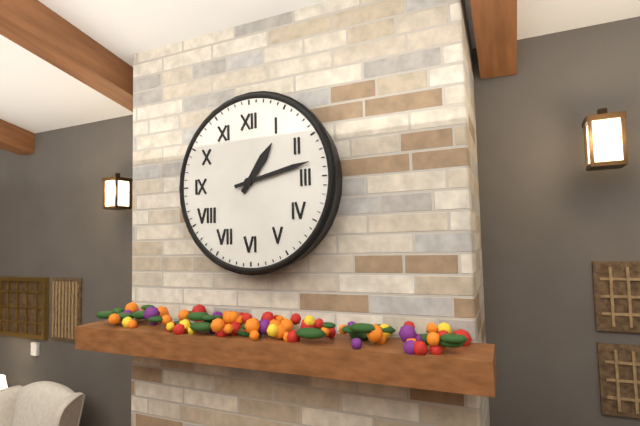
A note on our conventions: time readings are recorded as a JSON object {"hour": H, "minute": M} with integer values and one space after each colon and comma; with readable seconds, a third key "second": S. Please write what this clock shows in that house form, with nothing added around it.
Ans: {"hour": 1, "minute": 13}
